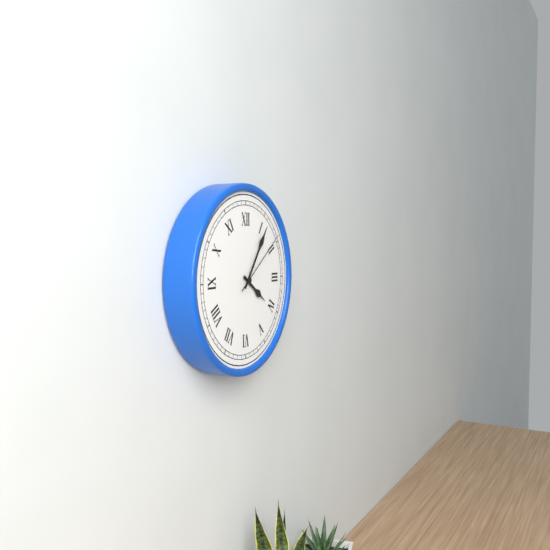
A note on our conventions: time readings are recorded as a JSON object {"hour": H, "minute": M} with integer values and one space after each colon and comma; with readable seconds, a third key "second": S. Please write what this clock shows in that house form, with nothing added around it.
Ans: {"hour": 4, "minute": 6, "second": 9}
